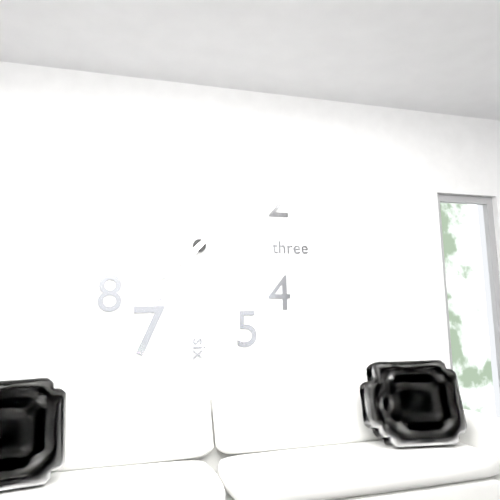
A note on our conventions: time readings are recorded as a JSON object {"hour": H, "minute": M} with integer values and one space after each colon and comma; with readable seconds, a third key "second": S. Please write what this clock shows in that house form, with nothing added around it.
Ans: {"hour": 7, "minute": 36}
